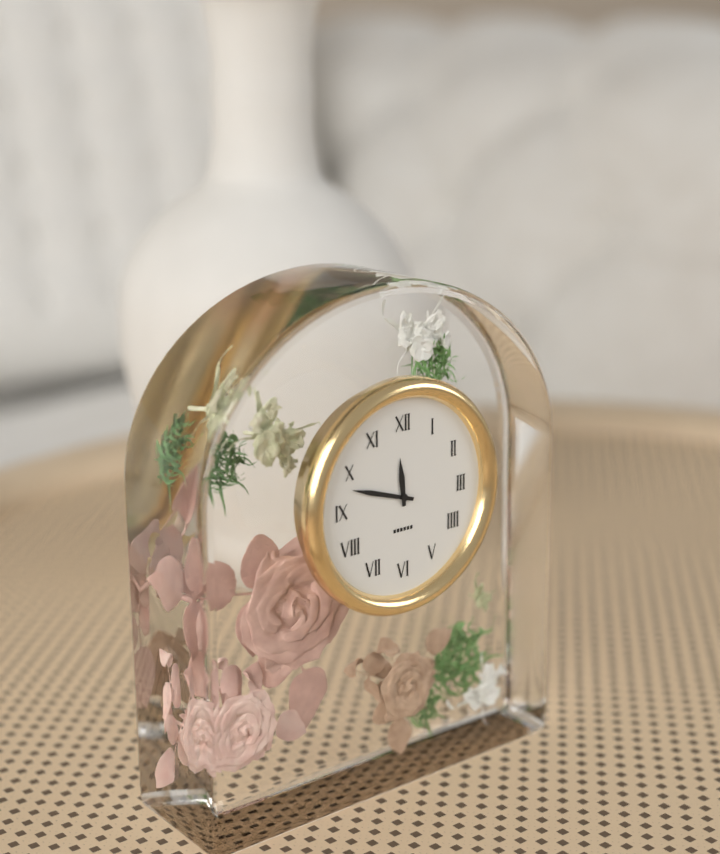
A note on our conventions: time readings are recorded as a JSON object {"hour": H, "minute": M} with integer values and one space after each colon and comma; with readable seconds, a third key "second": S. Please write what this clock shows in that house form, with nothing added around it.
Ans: {"hour": 11, "minute": 48}
